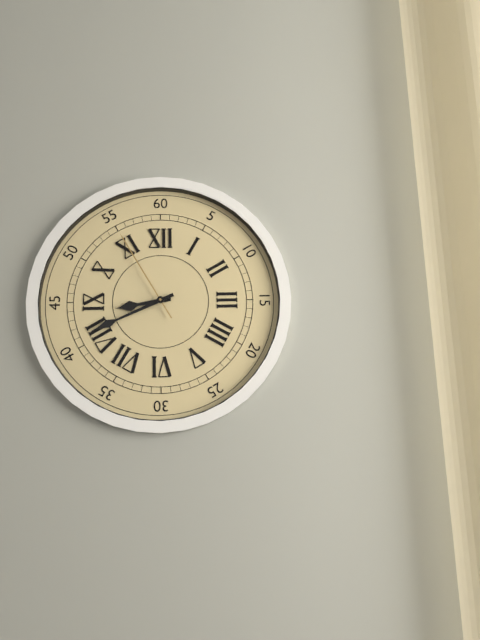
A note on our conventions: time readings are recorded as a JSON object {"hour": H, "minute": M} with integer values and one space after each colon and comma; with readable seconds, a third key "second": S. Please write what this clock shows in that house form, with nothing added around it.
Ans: {"hour": 8, "minute": 41, "second": 55}
